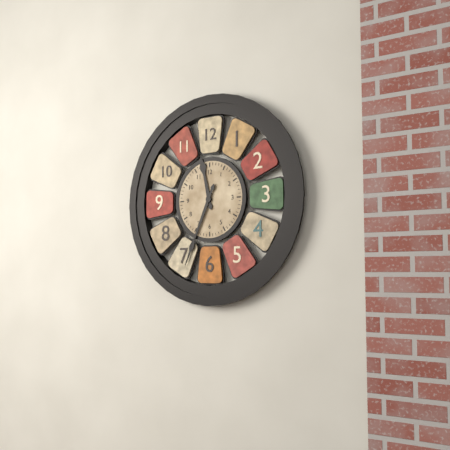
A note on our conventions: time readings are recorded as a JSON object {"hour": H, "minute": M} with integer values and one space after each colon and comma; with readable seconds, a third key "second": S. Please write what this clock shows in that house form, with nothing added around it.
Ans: {"hour": 11, "minute": 34}
